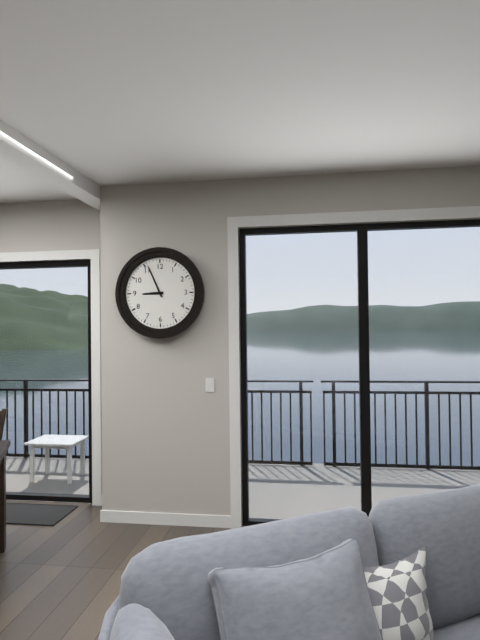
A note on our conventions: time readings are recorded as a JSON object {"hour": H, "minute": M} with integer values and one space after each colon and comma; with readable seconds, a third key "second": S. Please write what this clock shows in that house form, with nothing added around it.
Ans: {"hour": 8, "minute": 56}
